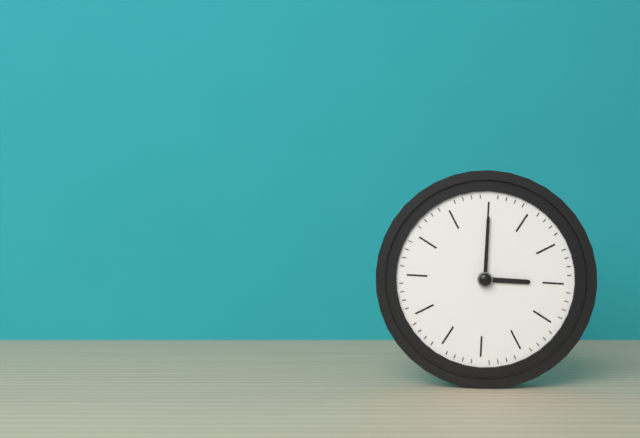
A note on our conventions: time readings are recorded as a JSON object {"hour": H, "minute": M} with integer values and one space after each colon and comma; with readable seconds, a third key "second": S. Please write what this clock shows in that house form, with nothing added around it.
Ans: {"hour": 3, "minute": 0}
